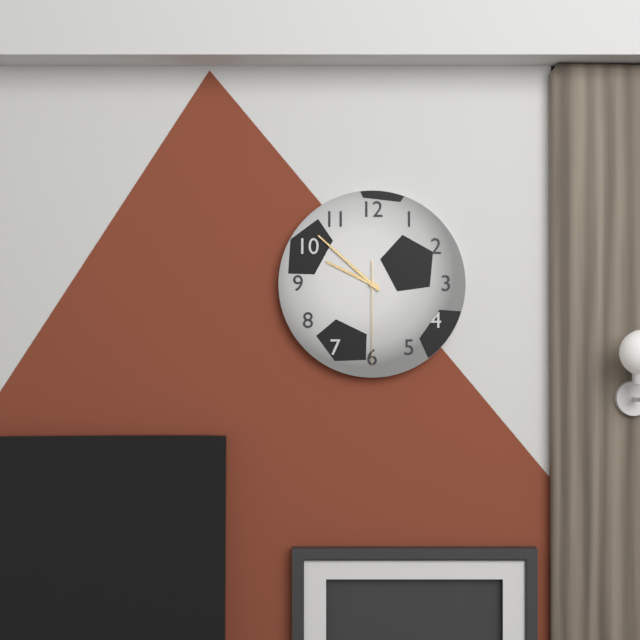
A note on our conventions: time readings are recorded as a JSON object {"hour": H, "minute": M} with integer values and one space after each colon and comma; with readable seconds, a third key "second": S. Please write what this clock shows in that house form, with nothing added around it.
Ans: {"hour": 9, "minute": 52, "second": 30}
